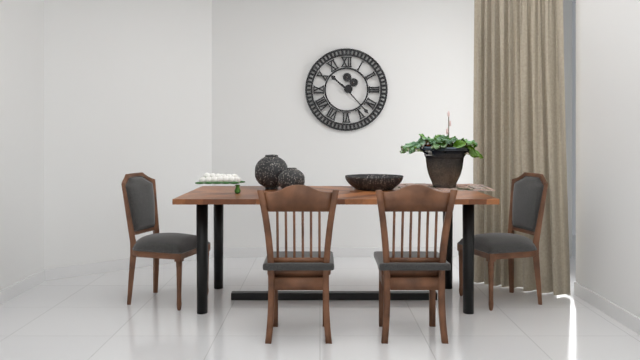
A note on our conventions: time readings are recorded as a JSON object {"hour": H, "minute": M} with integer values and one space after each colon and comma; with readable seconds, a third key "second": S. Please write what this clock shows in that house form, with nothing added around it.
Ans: {"hour": 10, "minute": 23}
